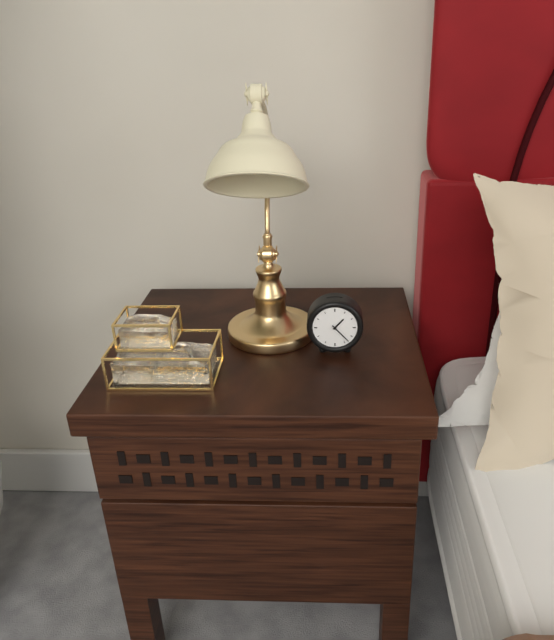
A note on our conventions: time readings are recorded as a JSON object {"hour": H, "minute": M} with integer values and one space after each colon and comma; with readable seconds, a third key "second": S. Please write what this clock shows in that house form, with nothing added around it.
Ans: {"hour": 1, "minute": 23}
